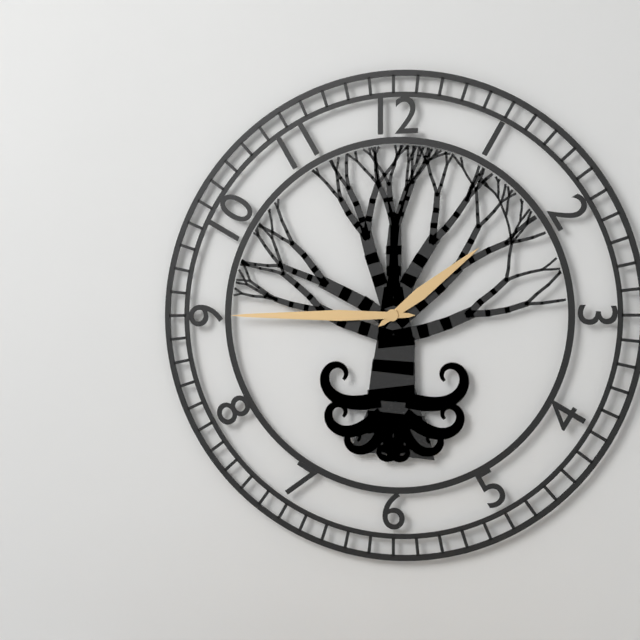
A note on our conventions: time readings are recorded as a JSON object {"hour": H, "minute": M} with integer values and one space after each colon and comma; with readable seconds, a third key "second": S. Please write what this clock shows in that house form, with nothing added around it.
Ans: {"hour": 1, "minute": 45}
